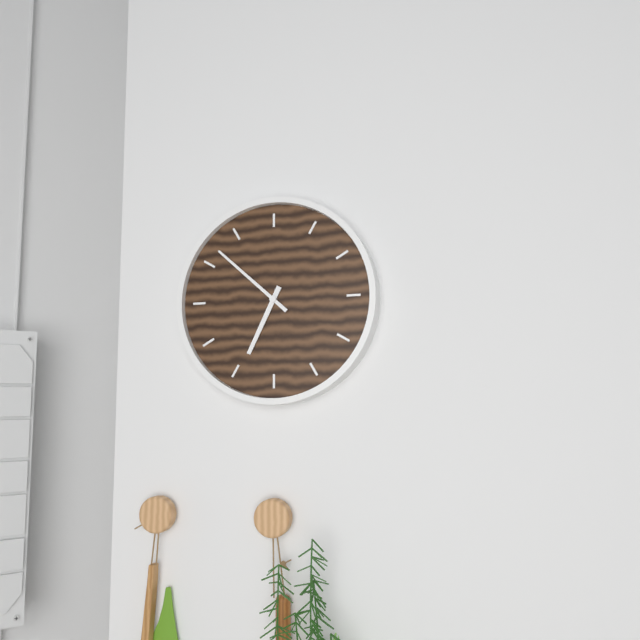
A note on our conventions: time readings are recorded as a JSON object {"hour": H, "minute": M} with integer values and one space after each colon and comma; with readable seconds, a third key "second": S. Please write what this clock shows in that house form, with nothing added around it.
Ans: {"hour": 6, "minute": 52}
